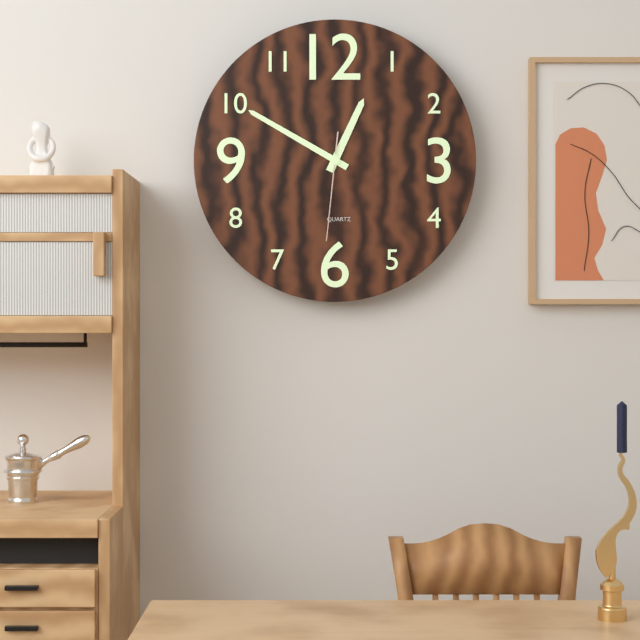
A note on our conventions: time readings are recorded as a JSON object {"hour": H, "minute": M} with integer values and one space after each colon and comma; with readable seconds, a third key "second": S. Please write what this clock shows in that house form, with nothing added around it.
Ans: {"hour": 12, "minute": 50, "second": 31}
